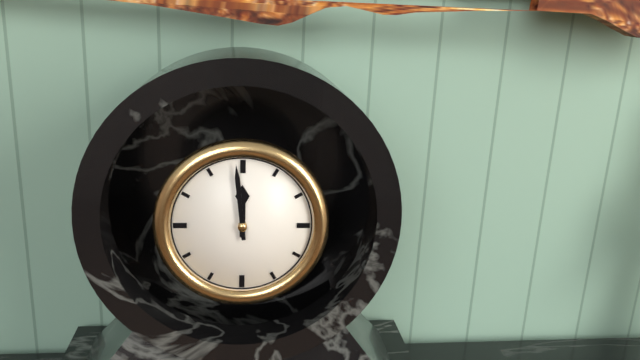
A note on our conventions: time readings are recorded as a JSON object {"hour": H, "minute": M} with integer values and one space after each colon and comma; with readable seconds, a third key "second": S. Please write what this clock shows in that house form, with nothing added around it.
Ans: {"hour": 11, "minute": 59}
